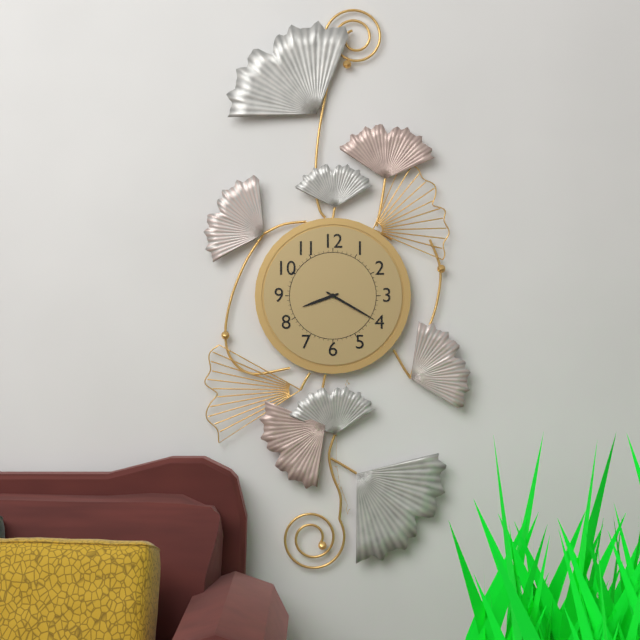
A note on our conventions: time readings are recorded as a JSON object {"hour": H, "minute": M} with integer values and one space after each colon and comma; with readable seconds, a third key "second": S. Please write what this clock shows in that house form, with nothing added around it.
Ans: {"hour": 8, "minute": 20}
